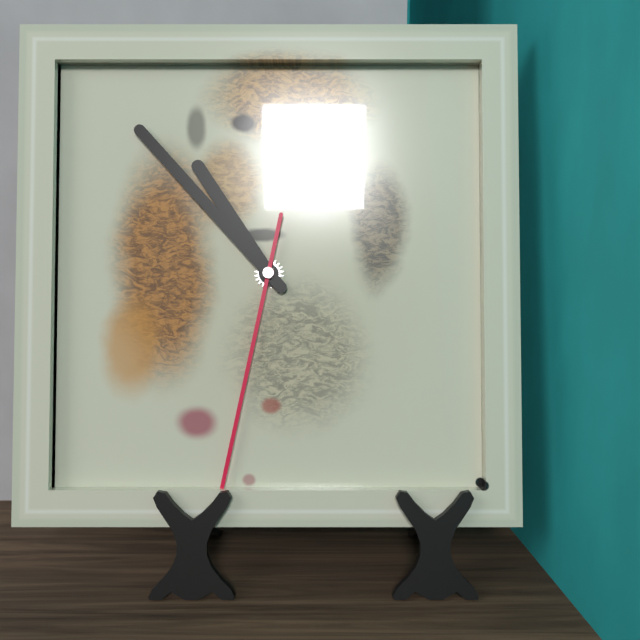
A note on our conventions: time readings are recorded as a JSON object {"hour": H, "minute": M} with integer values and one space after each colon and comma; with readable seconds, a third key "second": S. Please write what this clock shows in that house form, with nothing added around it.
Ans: {"hour": 10, "minute": 53, "second": 32}
